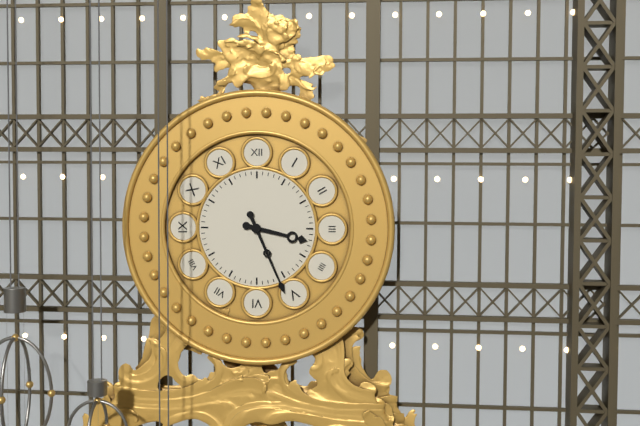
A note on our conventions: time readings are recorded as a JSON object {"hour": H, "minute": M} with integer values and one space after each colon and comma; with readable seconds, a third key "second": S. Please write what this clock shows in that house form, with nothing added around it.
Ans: {"hour": 3, "minute": 26}
